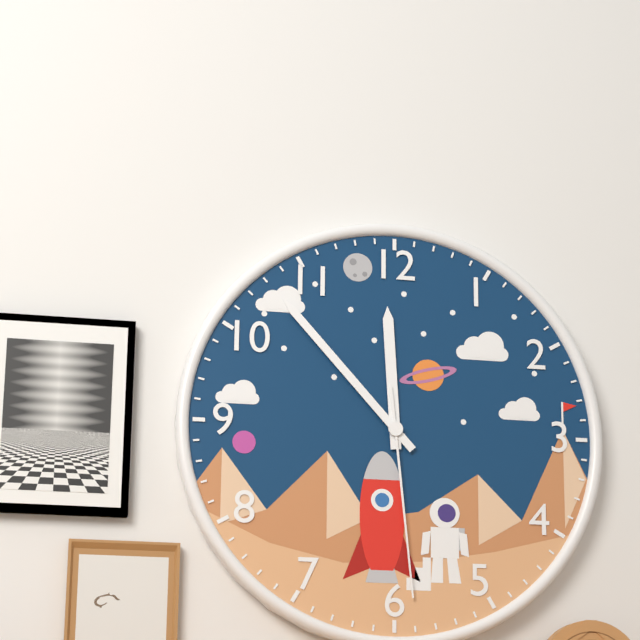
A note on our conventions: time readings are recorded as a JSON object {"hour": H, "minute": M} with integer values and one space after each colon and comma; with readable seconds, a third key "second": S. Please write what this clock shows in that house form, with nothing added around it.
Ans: {"hour": 11, "minute": 53, "second": 29}
